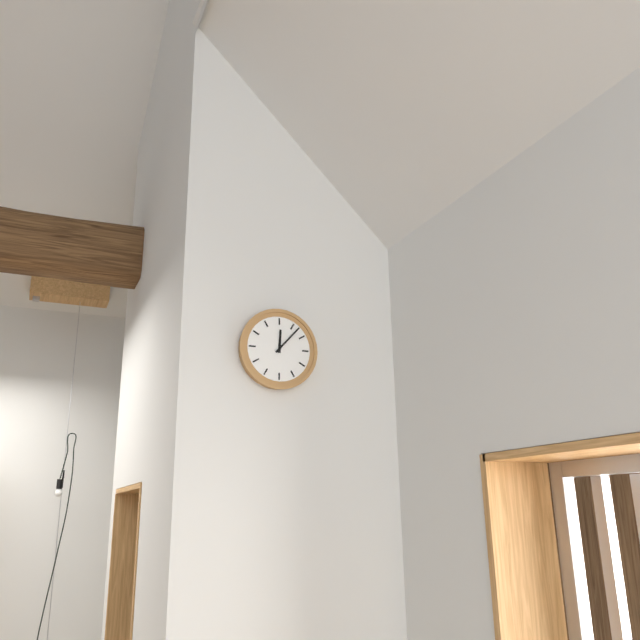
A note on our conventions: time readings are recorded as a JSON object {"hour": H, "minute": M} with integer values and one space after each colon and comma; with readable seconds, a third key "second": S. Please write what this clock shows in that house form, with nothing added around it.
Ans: {"hour": 12, "minute": 7}
